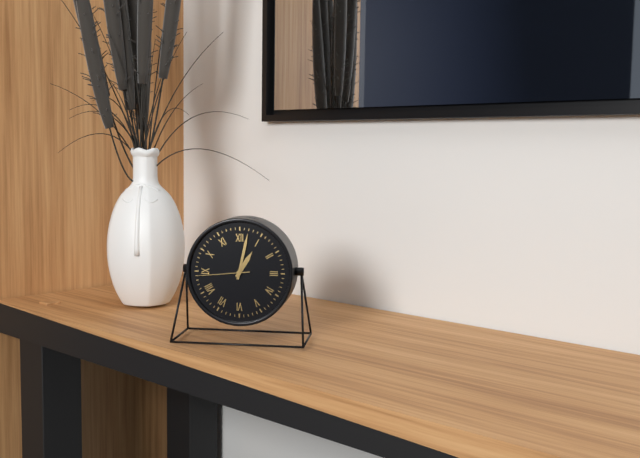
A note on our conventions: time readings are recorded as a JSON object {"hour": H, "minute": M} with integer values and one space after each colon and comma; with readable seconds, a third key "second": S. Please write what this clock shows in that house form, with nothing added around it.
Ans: {"hour": 1, "minute": 2, "second": 44}
